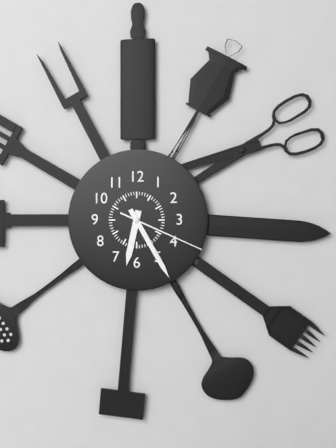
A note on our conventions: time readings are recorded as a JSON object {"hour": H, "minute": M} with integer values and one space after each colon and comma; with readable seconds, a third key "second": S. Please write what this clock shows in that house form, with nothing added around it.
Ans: {"hour": 6, "minute": 25, "second": 19}
